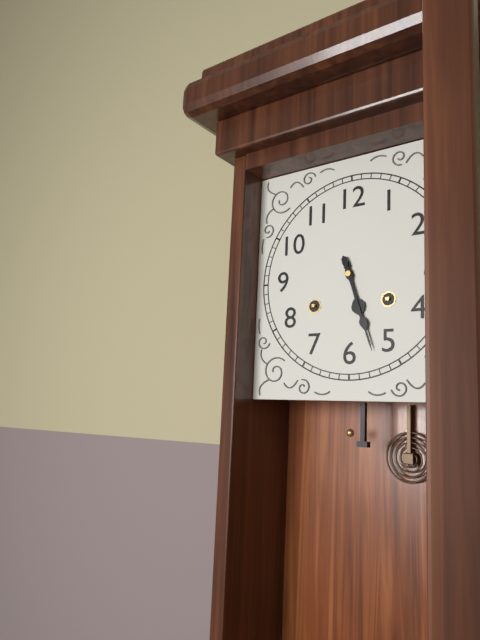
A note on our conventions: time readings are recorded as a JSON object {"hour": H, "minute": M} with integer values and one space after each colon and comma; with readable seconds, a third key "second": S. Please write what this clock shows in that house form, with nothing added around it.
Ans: {"hour": 5, "minute": 27}
